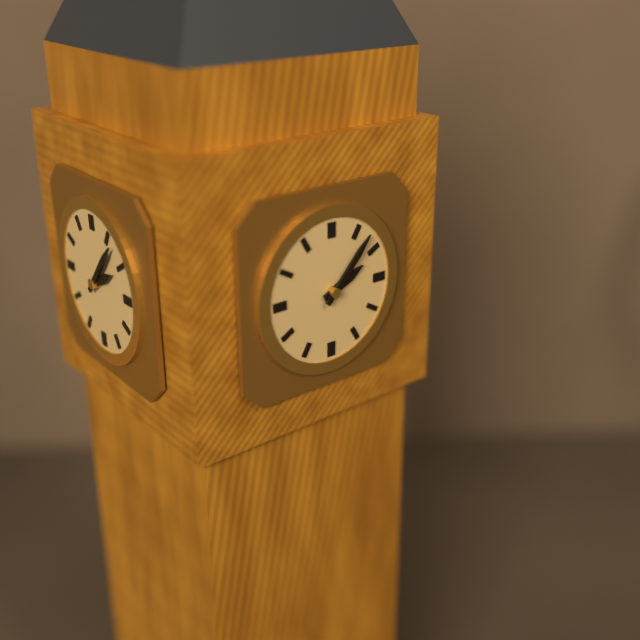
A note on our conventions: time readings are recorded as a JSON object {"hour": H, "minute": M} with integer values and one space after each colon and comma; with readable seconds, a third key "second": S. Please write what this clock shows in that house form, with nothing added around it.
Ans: {"hour": 2, "minute": 7}
